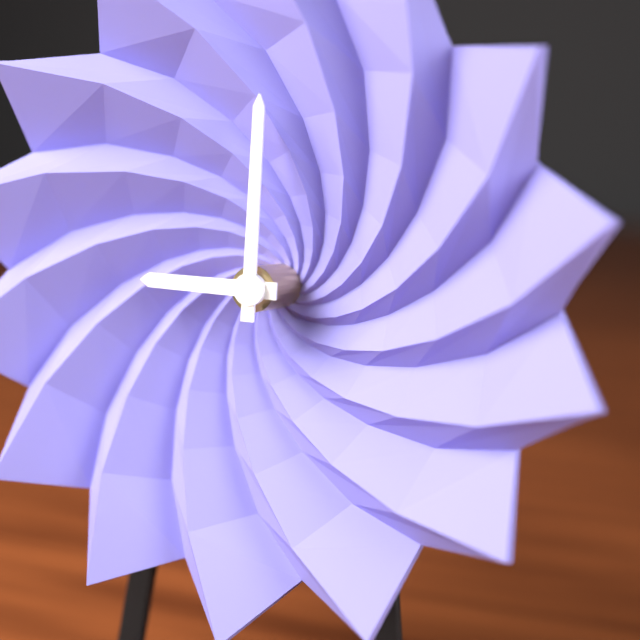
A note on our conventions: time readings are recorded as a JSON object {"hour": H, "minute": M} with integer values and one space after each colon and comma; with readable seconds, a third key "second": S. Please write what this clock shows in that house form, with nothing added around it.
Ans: {"hour": 9, "minute": 0}
